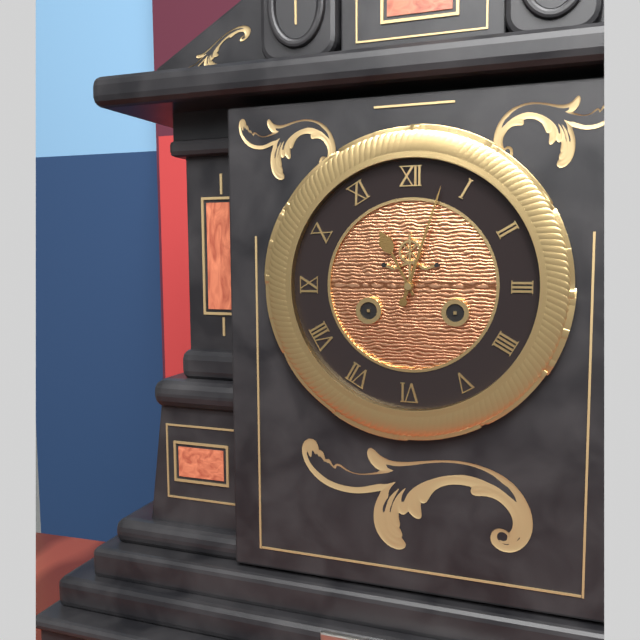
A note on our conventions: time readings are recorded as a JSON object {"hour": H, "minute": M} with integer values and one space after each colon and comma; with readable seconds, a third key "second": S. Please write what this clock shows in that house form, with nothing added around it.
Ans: {"hour": 11, "minute": 3}
